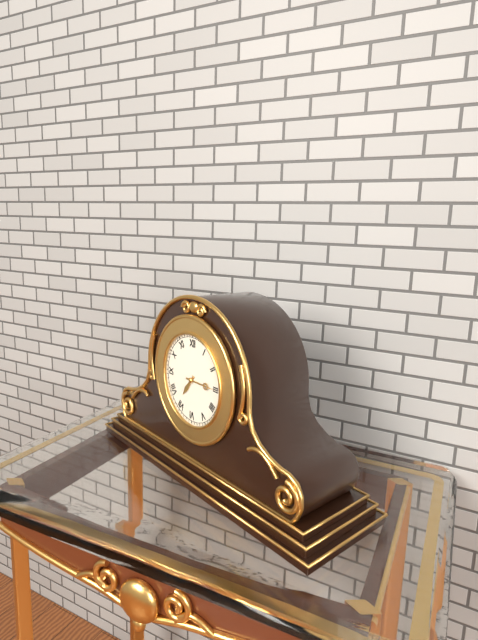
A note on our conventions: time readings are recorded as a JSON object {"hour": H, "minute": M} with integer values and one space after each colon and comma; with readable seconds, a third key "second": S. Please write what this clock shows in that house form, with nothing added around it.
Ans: {"hour": 7, "minute": 15}
